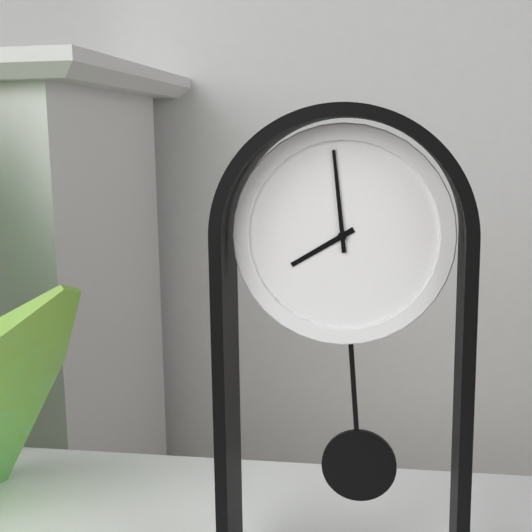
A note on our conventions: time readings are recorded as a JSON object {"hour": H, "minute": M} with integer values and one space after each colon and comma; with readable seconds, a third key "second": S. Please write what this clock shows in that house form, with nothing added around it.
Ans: {"hour": 7, "minute": 59}
